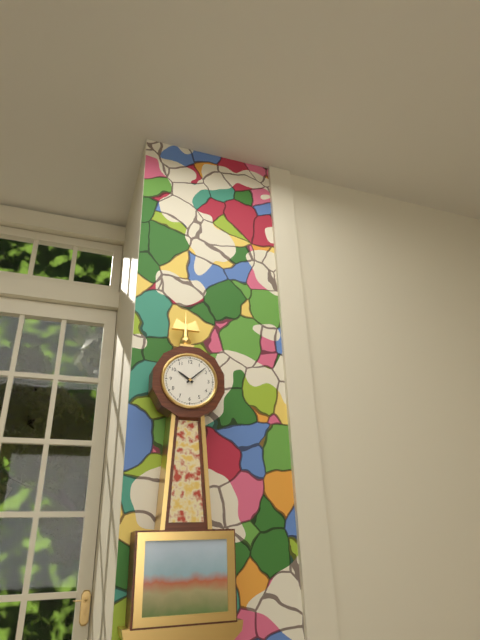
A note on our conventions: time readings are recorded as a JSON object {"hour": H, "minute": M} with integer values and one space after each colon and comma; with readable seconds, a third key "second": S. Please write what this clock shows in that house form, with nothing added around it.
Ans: {"hour": 10, "minute": 8}
